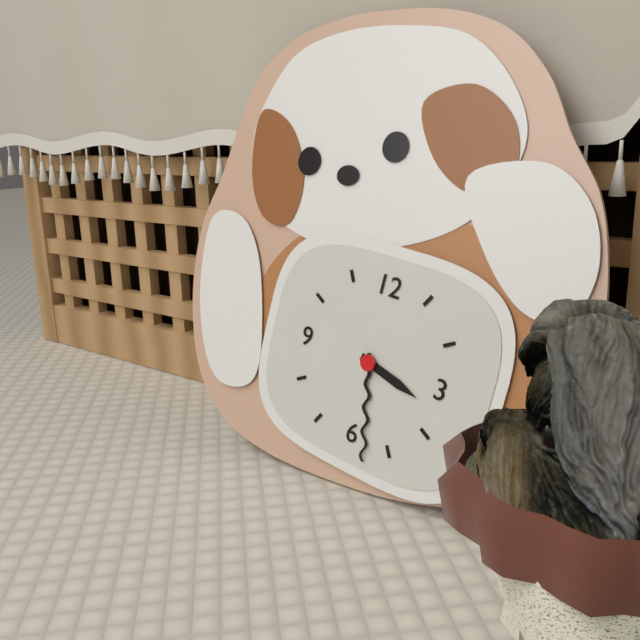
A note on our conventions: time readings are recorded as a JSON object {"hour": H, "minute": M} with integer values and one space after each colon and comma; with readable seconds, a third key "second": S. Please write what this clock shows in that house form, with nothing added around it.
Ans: {"hour": 3, "minute": 28}
